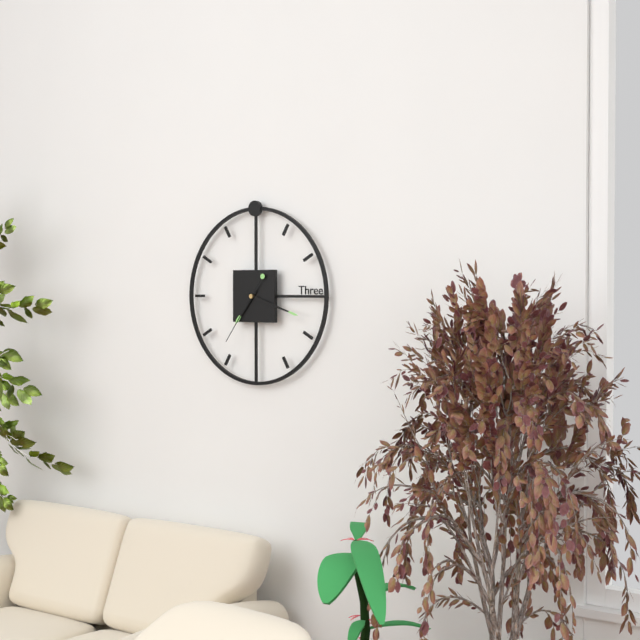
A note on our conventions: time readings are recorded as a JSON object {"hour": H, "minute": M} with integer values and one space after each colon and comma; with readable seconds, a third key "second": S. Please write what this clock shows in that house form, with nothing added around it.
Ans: {"hour": 7, "minute": 18, "second": 36}
